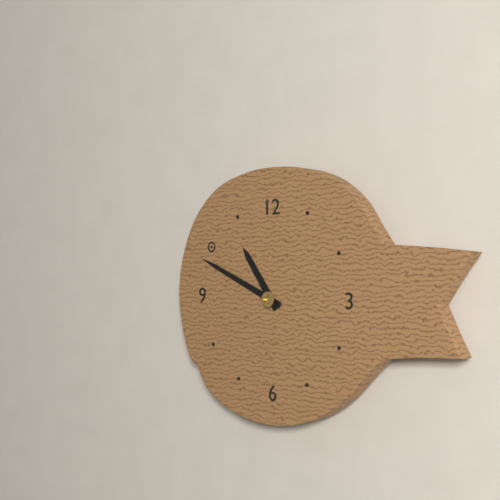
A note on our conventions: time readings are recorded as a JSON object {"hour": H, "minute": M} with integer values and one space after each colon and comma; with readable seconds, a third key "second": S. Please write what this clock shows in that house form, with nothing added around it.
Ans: {"hour": 10, "minute": 49}
